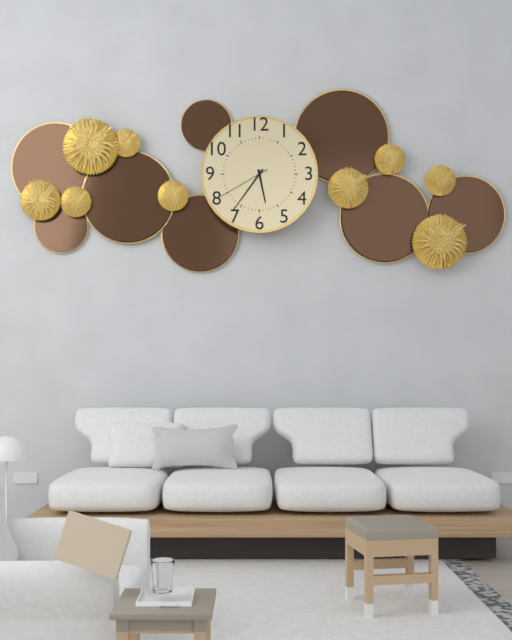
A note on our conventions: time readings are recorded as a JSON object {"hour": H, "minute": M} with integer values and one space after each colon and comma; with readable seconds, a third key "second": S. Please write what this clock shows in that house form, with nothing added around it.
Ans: {"hour": 5, "minute": 36, "second": 40}
